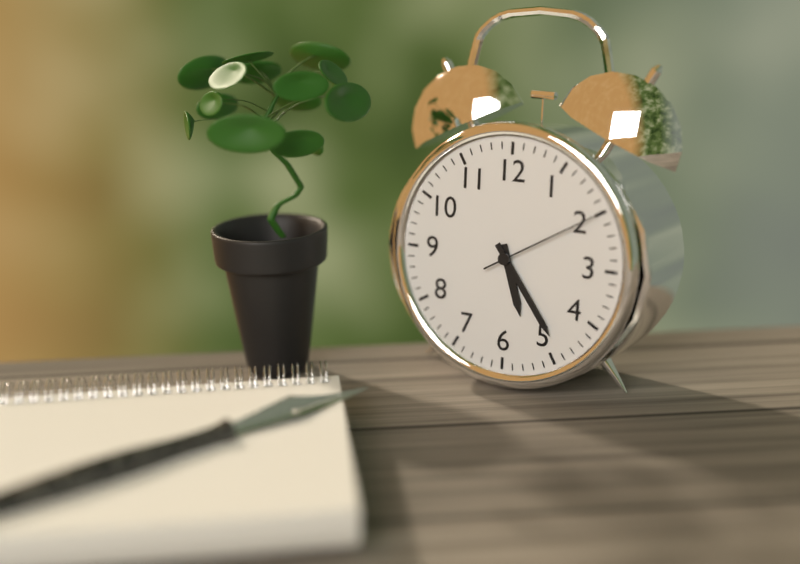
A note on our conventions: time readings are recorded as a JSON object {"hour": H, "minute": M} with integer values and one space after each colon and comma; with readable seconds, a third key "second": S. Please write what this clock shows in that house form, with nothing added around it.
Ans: {"hour": 5, "minute": 24, "second": 10}
